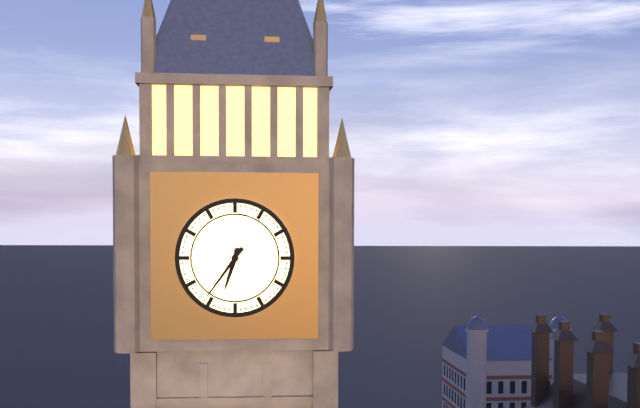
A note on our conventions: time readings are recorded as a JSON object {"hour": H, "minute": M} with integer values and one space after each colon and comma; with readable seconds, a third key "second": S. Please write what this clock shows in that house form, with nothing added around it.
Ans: {"hour": 6, "minute": 36}
